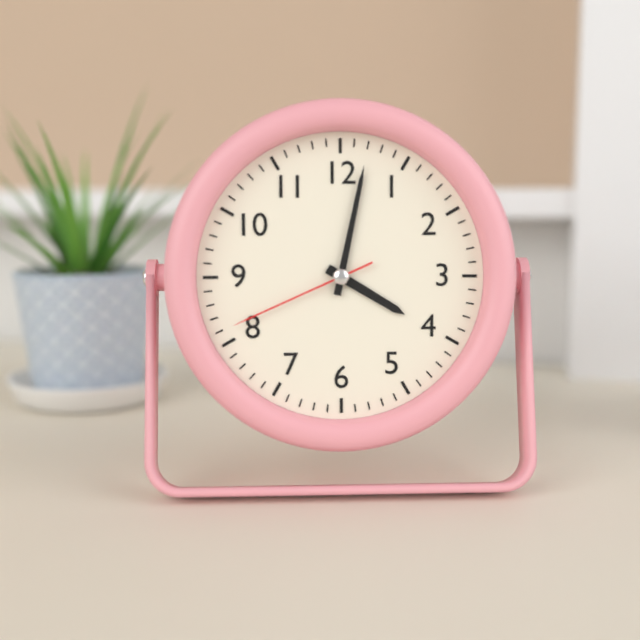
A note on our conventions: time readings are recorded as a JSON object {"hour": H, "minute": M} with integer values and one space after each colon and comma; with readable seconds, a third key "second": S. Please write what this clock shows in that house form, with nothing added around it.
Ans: {"hour": 4, "minute": 2, "second": 41}
